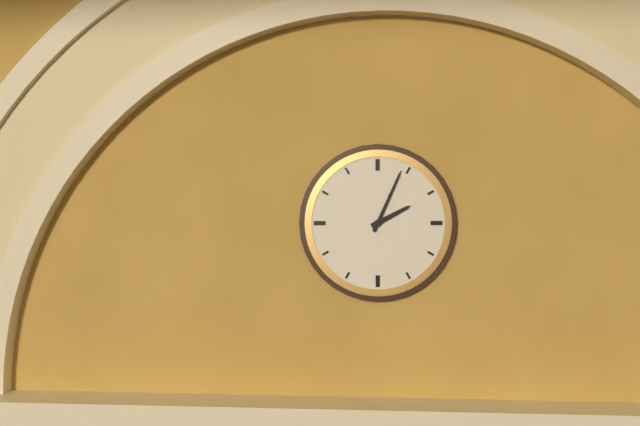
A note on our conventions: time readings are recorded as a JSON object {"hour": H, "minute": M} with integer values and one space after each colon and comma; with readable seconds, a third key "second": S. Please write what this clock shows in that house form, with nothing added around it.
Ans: {"hour": 2, "minute": 4}
